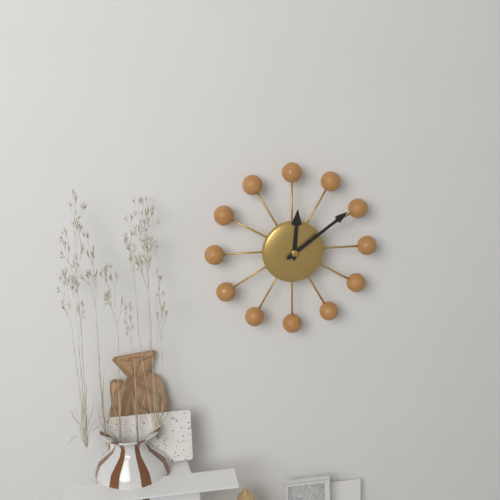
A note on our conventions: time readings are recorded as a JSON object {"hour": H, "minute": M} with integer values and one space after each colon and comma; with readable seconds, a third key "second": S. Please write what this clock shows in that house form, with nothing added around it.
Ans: {"hour": 12, "minute": 9}
